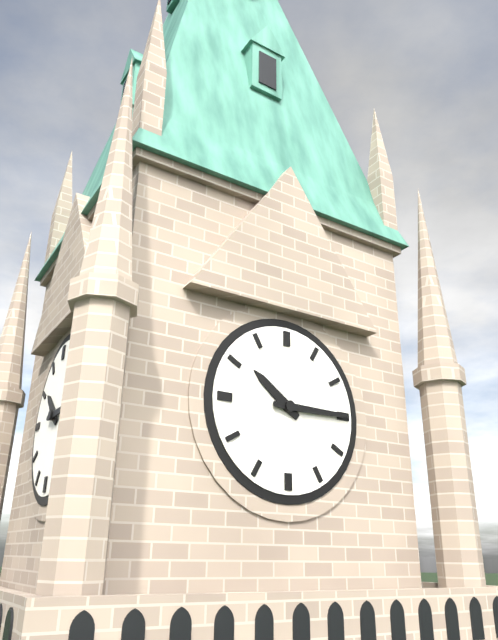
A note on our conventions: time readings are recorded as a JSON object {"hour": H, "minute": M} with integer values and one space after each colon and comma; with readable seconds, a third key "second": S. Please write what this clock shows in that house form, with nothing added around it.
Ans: {"hour": 10, "minute": 15}
